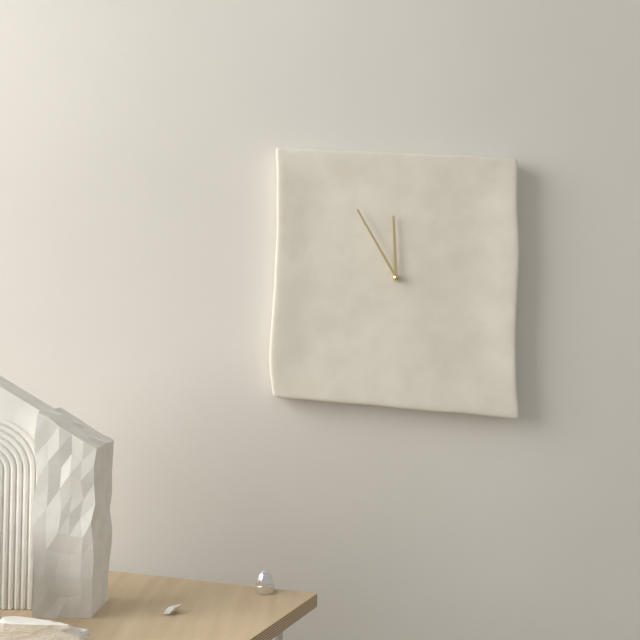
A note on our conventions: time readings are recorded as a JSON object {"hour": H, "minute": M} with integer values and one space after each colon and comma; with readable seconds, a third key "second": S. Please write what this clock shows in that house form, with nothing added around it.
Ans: {"hour": 11, "minute": 55}
